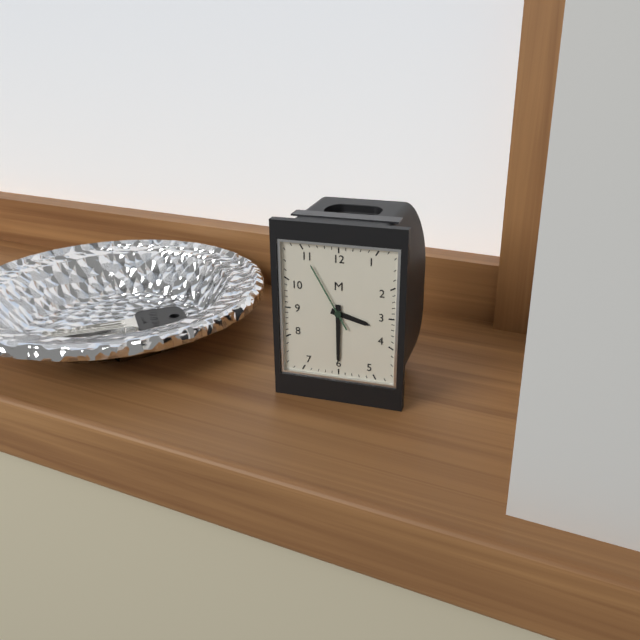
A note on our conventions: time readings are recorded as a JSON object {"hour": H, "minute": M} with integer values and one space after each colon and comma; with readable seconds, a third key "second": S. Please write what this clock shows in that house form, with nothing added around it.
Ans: {"hour": 3, "minute": 30, "second": 55}
